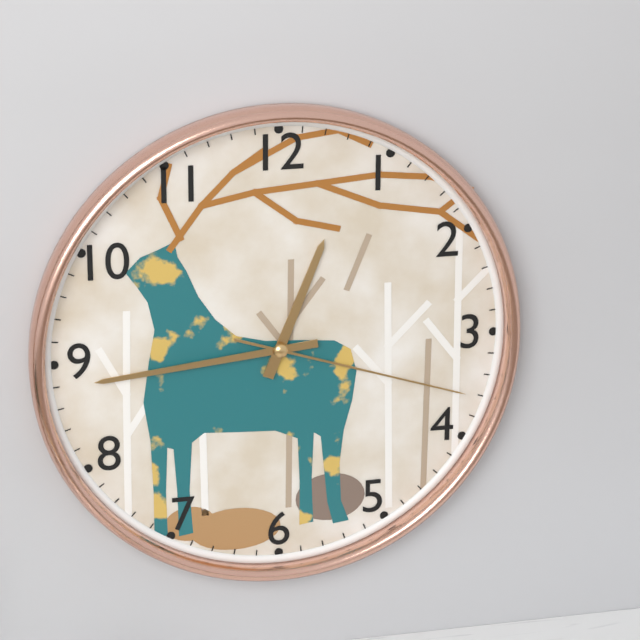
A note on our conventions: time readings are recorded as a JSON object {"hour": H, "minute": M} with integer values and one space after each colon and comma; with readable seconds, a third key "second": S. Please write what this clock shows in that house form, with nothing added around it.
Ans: {"hour": 12, "minute": 44, "second": 18}
